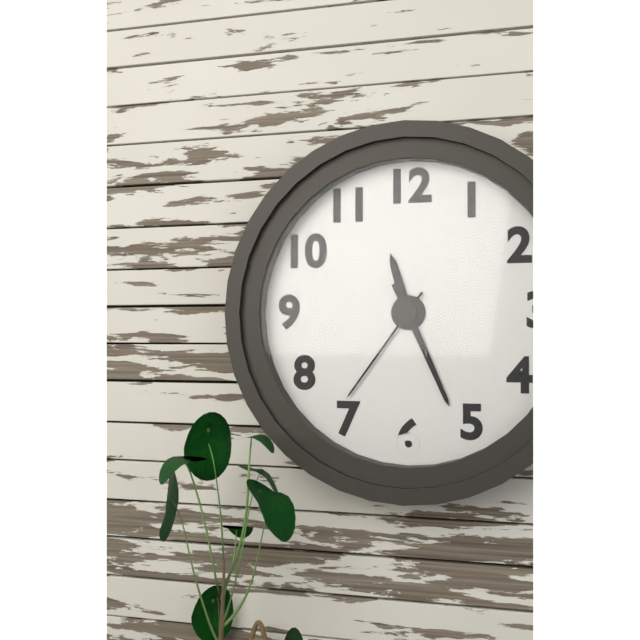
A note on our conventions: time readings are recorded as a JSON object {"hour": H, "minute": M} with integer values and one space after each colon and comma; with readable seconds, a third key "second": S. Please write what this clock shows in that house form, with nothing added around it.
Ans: {"hour": 11, "minute": 26, "second": 36}
